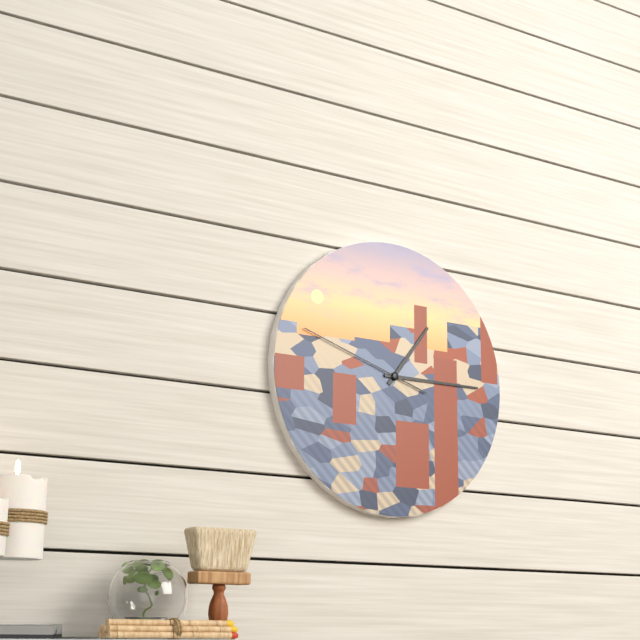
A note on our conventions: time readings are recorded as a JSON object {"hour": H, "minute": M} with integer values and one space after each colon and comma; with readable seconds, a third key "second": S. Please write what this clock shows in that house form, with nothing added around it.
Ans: {"hour": 1, "minute": 15, "second": 48}
